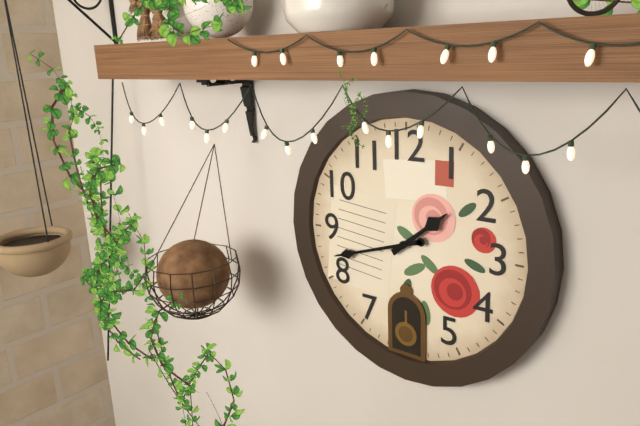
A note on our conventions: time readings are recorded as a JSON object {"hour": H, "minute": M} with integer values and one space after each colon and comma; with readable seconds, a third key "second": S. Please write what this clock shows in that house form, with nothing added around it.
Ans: {"hour": 1, "minute": 42}
